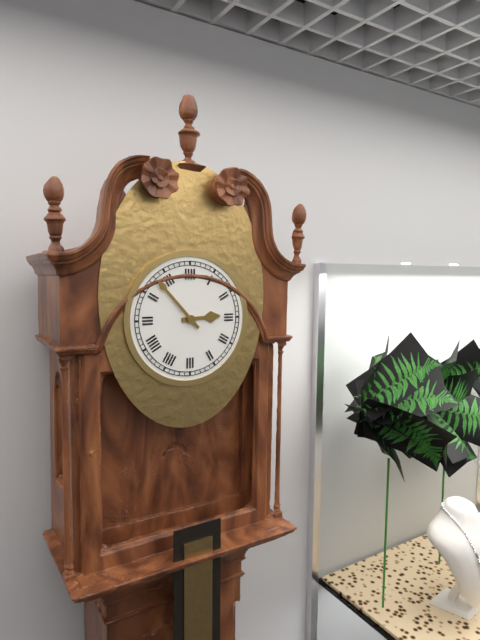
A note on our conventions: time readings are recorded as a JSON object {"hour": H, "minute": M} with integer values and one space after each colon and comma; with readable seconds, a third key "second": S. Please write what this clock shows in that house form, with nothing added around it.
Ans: {"hour": 2, "minute": 53}
